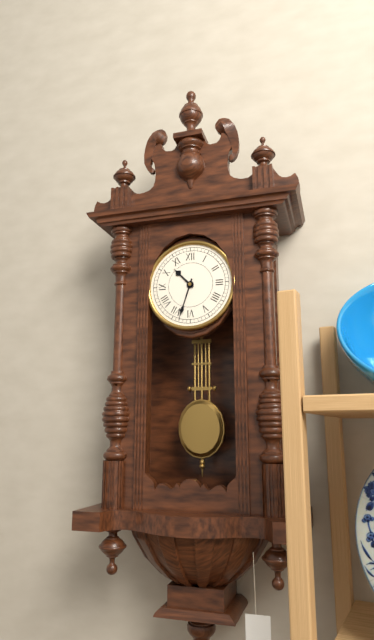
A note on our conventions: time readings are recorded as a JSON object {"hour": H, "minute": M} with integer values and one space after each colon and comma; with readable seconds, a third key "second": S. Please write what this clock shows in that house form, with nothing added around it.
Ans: {"hour": 10, "minute": 33}
